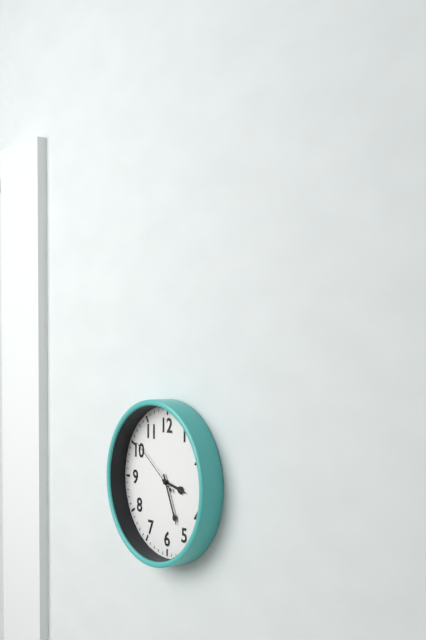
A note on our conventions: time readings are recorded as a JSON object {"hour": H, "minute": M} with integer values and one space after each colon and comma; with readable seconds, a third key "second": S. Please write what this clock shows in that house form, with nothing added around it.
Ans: {"hour": 3, "minute": 26, "second": 51}
